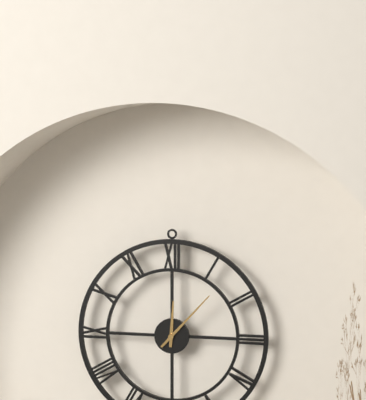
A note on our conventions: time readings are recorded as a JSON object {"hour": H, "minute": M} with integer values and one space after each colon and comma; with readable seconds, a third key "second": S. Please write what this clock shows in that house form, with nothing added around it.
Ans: {"hour": 12, "minute": 7}
